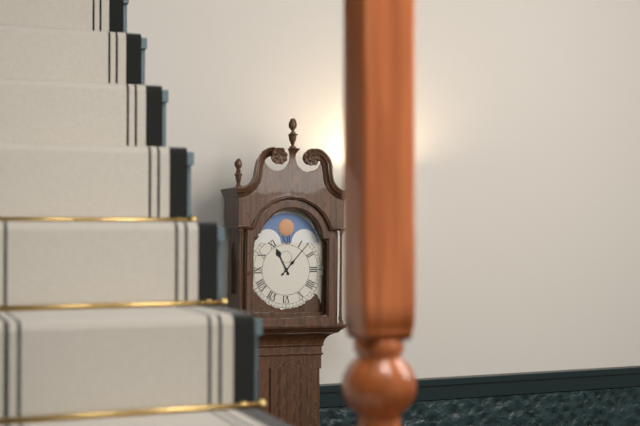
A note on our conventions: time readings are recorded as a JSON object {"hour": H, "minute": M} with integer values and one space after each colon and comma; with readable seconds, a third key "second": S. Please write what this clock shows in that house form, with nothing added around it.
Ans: {"hour": 11, "minute": 7}
